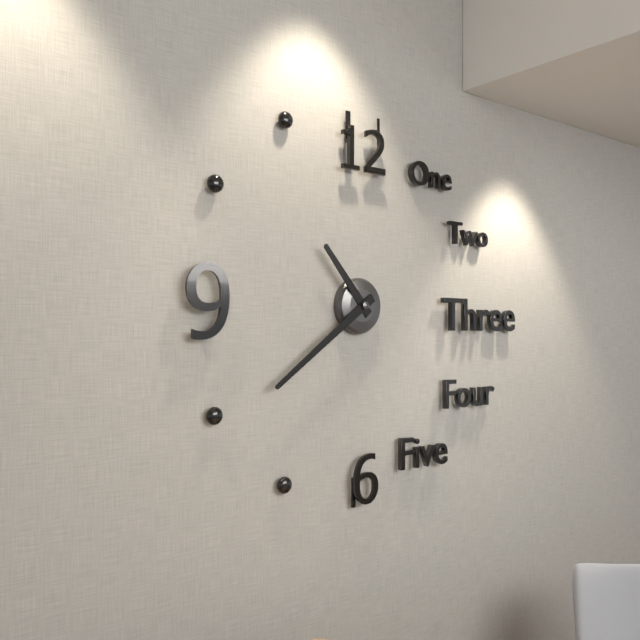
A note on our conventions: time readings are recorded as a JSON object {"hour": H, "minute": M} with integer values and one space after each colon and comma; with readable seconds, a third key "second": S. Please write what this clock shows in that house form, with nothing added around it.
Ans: {"hour": 10, "minute": 39}
